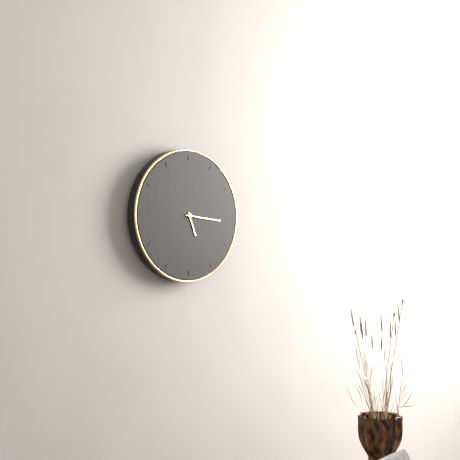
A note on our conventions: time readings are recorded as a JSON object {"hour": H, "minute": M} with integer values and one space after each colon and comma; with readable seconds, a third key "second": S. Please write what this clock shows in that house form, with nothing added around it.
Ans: {"hour": 5, "minute": 16}
